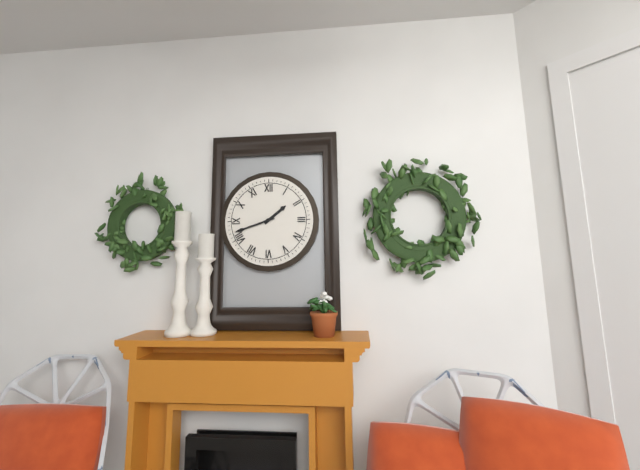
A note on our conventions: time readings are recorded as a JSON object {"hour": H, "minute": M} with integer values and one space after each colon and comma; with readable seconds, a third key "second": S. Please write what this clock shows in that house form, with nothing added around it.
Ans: {"hour": 1, "minute": 42}
